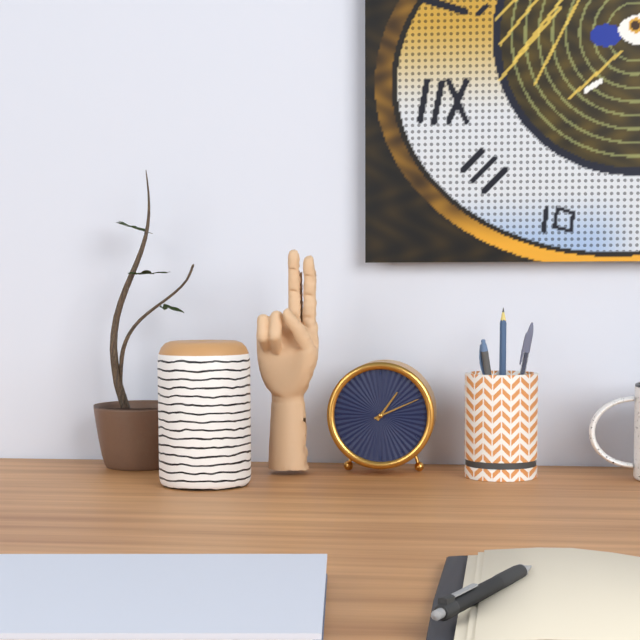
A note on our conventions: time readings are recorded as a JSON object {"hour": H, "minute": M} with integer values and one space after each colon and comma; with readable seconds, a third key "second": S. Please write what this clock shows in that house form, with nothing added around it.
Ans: {"hour": 1, "minute": 11}
